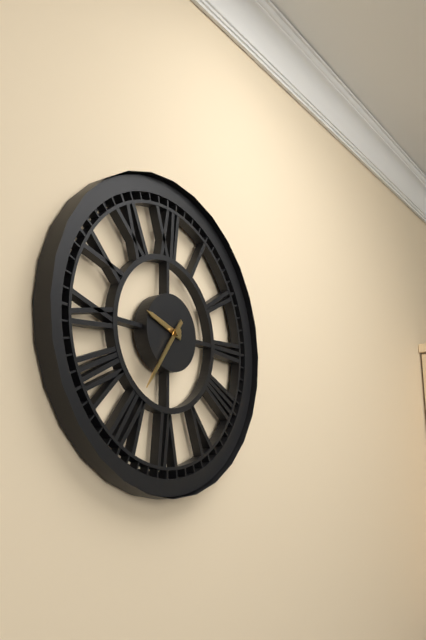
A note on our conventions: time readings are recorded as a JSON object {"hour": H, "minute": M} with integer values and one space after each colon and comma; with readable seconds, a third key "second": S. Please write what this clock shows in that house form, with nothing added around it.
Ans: {"hour": 9, "minute": 36}
